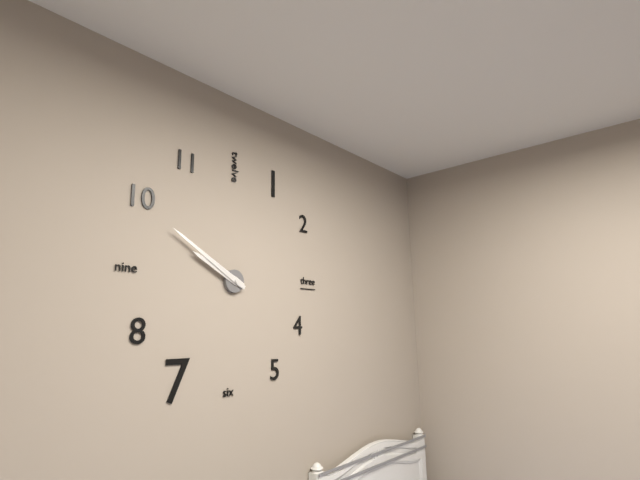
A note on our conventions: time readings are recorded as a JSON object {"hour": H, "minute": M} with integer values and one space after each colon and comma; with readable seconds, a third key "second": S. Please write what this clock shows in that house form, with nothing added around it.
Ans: {"hour": 9, "minute": 50}
